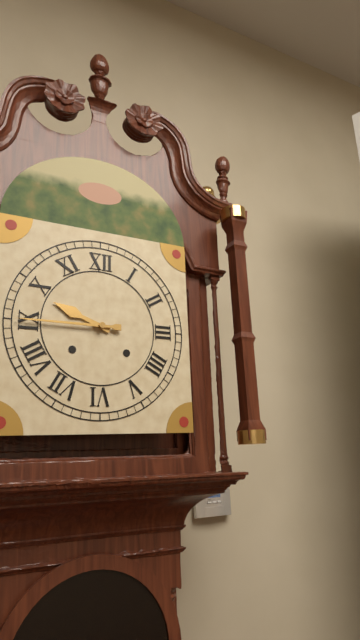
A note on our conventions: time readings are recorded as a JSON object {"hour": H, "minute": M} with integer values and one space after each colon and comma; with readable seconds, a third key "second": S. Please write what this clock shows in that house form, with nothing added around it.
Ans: {"hour": 9, "minute": 45}
